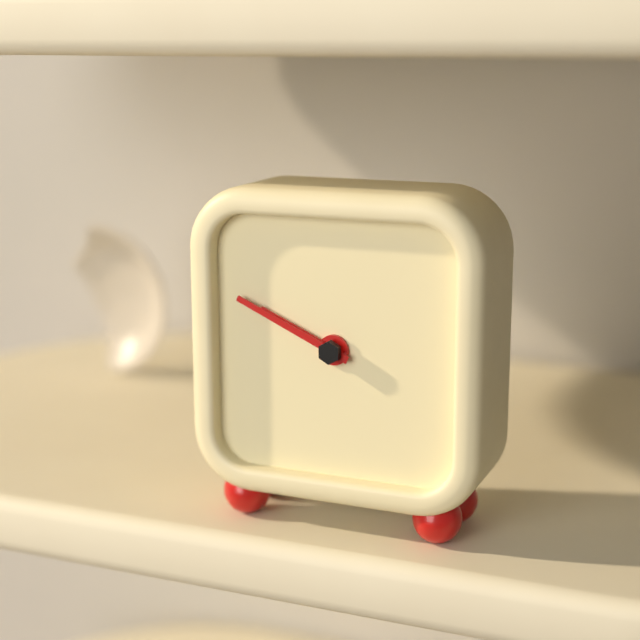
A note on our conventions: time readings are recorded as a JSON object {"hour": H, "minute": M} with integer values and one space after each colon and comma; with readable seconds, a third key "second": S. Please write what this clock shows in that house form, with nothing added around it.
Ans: {"hour": 9, "minute": 49}
